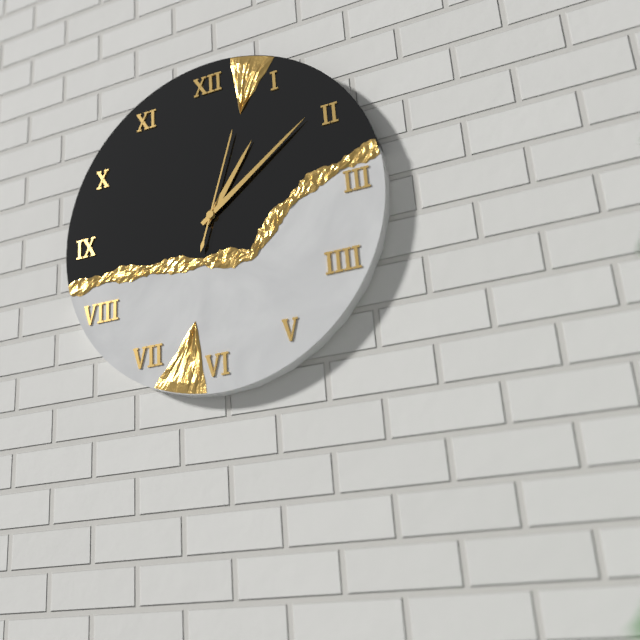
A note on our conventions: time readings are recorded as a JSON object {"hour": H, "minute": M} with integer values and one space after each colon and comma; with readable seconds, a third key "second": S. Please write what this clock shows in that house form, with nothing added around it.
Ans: {"hour": 1, "minute": 9, "second": 3}
